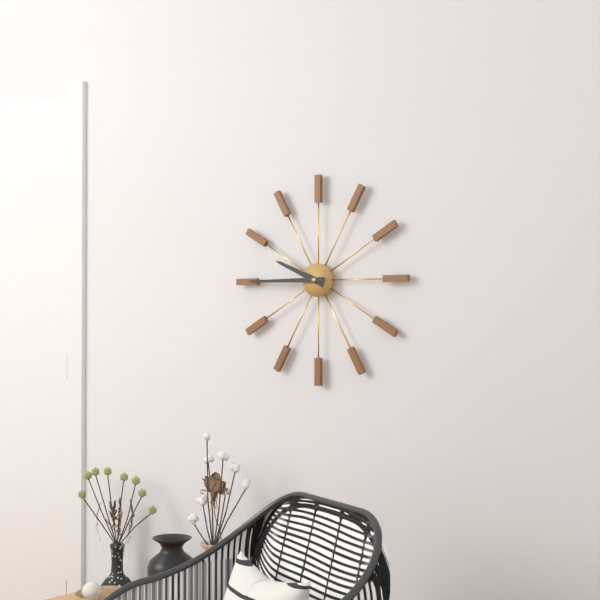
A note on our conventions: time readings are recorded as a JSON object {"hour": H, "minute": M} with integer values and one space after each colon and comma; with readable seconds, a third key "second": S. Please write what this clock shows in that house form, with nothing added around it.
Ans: {"hour": 9, "minute": 45}
